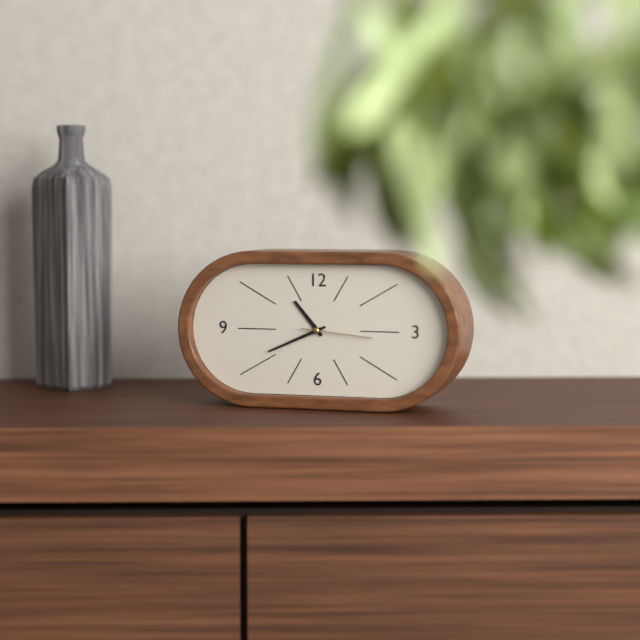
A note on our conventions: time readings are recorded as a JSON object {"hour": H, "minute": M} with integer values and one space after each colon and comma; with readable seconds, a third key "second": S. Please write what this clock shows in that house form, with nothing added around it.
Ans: {"hour": 10, "minute": 41, "second": 16}
